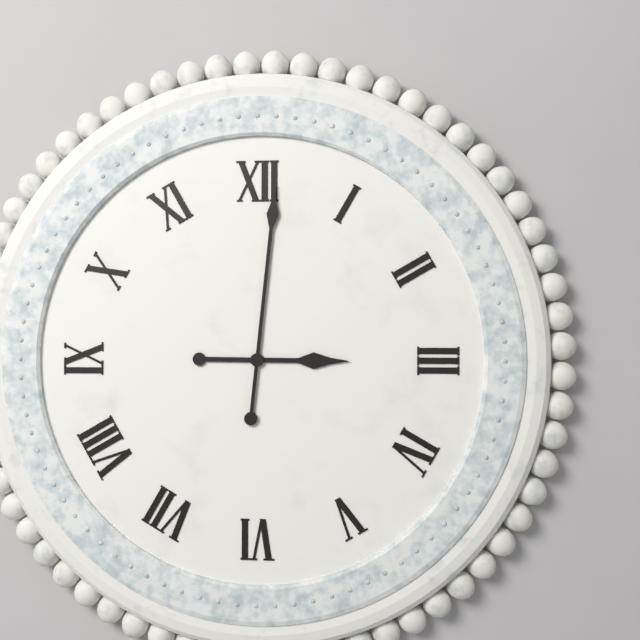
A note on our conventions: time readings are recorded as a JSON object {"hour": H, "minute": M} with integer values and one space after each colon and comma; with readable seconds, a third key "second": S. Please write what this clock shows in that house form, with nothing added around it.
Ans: {"hour": 3, "minute": 1}
